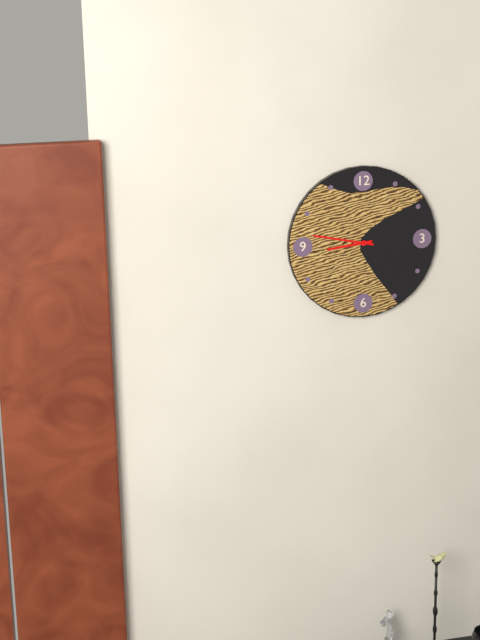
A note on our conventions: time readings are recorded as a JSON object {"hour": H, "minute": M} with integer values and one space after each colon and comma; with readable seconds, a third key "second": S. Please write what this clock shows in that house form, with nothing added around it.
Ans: {"hour": 8, "minute": 47}
